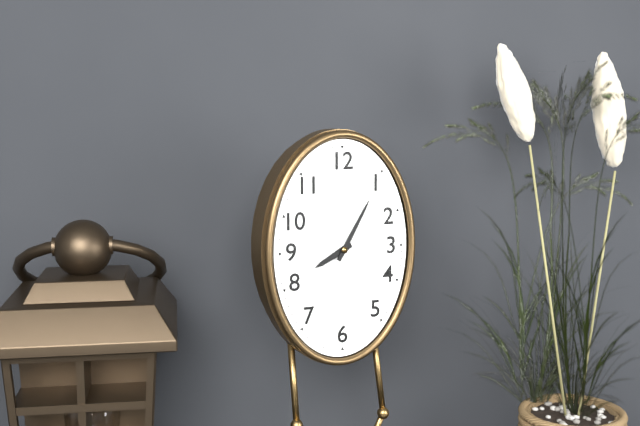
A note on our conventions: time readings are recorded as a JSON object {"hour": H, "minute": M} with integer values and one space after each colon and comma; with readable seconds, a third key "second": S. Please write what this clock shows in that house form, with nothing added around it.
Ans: {"hour": 8, "minute": 5}
